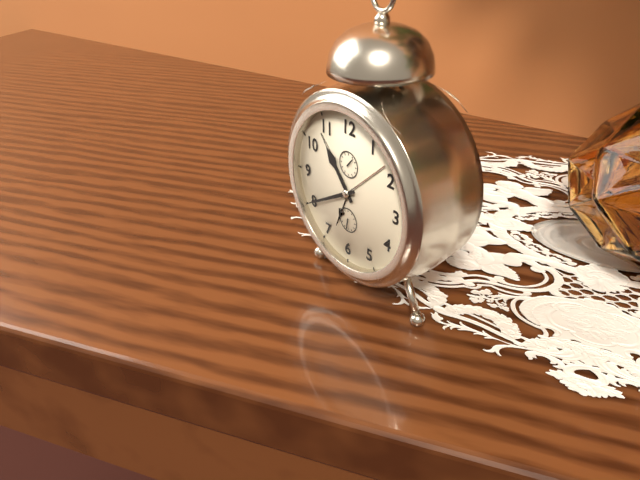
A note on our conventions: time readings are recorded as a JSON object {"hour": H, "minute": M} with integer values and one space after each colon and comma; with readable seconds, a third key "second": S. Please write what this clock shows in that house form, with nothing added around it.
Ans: {"hour": 10, "minute": 40}
